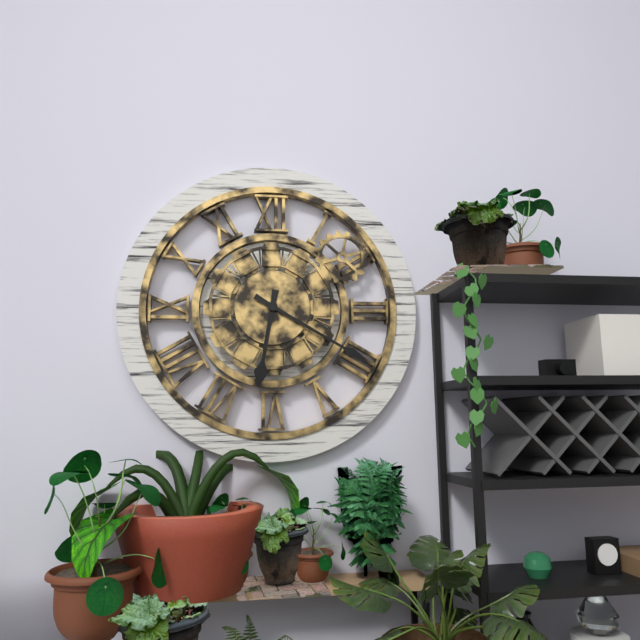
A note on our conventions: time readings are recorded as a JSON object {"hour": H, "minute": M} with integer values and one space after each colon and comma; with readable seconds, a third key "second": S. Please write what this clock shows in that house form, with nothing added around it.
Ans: {"hour": 6, "minute": 20}
